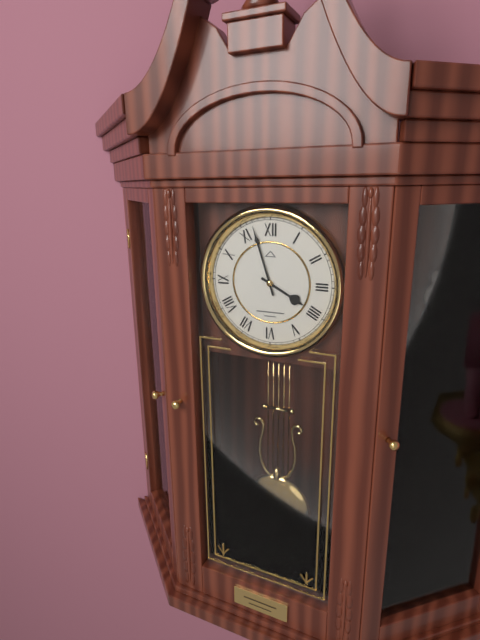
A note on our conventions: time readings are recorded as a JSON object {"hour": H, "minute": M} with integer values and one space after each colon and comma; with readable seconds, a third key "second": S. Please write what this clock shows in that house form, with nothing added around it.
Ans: {"hour": 3, "minute": 57}
